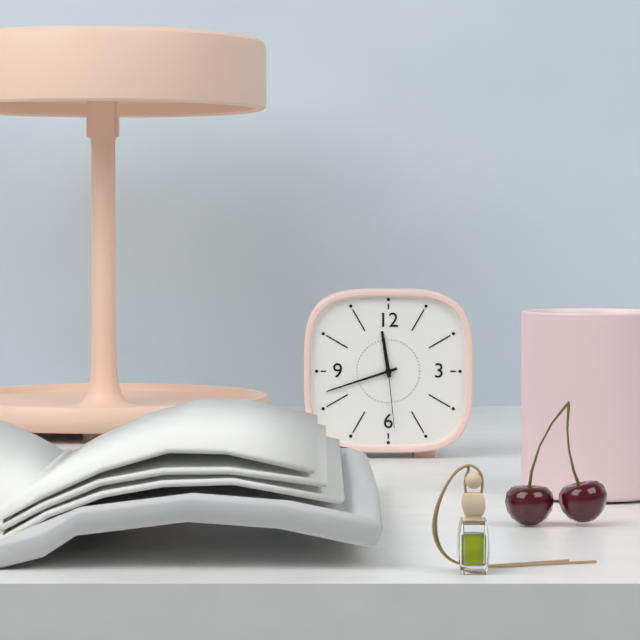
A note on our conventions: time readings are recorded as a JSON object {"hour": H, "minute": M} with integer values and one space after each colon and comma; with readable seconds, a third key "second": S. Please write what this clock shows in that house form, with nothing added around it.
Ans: {"hour": 11, "minute": 42, "second": 29}
